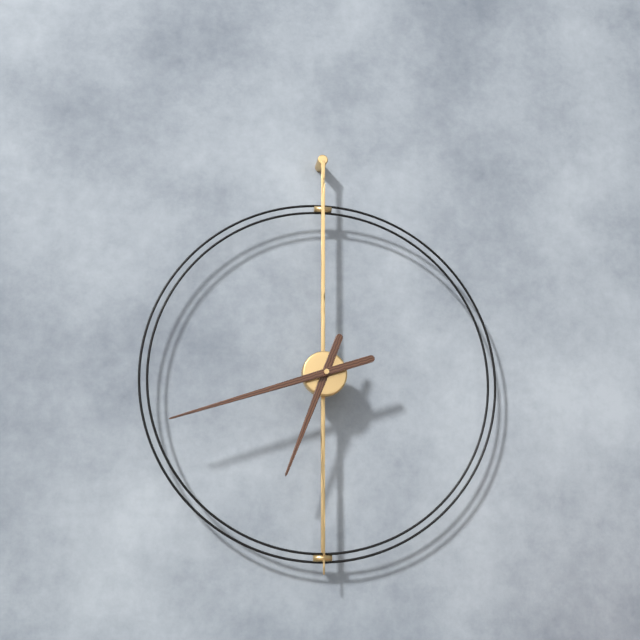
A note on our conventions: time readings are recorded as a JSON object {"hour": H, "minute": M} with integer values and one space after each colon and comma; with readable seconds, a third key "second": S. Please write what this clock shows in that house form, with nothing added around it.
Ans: {"hour": 6, "minute": 42}
